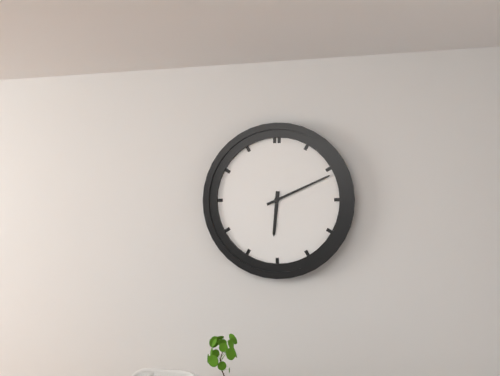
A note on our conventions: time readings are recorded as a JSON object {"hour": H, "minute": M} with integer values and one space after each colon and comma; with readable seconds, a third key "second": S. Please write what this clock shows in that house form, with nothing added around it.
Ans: {"hour": 6, "minute": 11}
